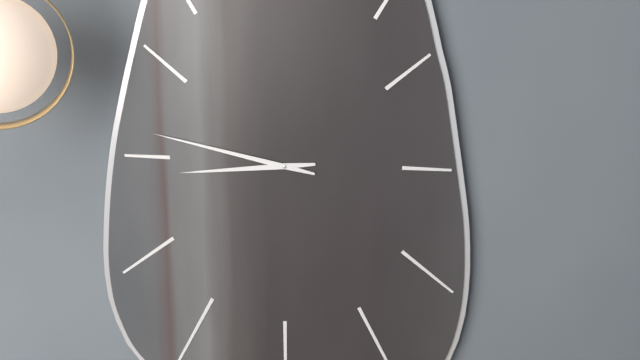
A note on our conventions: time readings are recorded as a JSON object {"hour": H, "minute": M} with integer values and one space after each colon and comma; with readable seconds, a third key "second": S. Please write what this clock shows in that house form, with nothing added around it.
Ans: {"hour": 8, "minute": 47}
